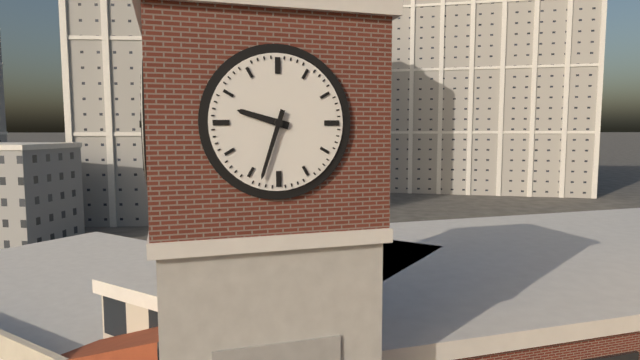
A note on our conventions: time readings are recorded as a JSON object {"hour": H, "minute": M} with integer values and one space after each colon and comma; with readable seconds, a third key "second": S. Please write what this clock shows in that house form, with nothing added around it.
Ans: {"hour": 9, "minute": 33}
